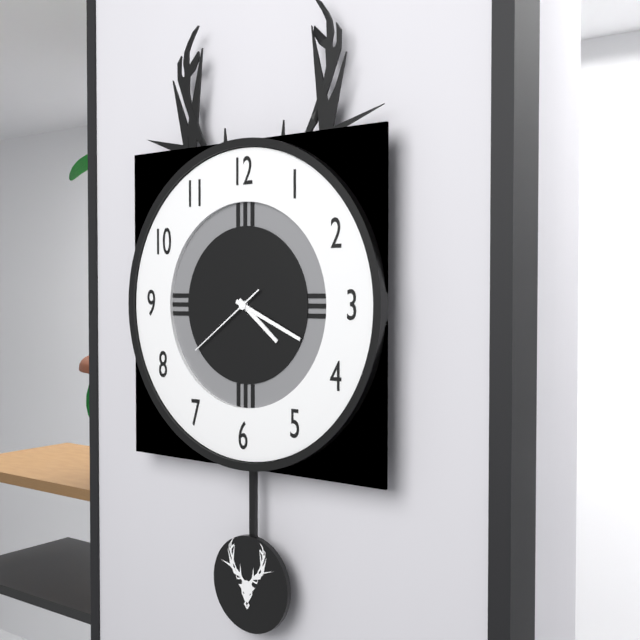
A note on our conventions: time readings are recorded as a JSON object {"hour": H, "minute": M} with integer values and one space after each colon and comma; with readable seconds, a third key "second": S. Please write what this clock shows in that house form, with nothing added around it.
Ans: {"hour": 4, "minute": 19, "second": 39}
